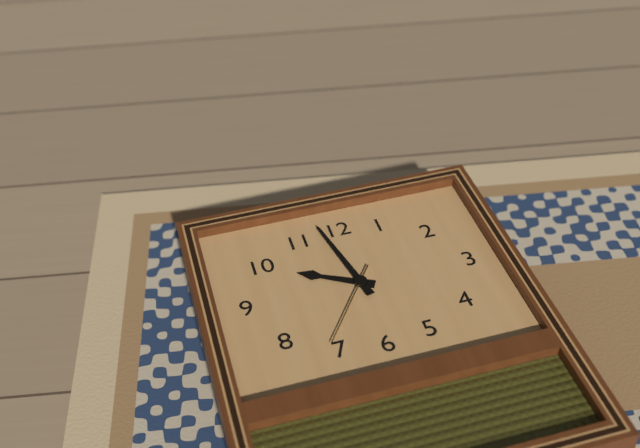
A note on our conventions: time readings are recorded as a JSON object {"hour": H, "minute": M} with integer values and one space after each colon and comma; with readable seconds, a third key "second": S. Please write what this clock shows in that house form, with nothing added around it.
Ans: {"hour": 9, "minute": 58, "second": 36}
